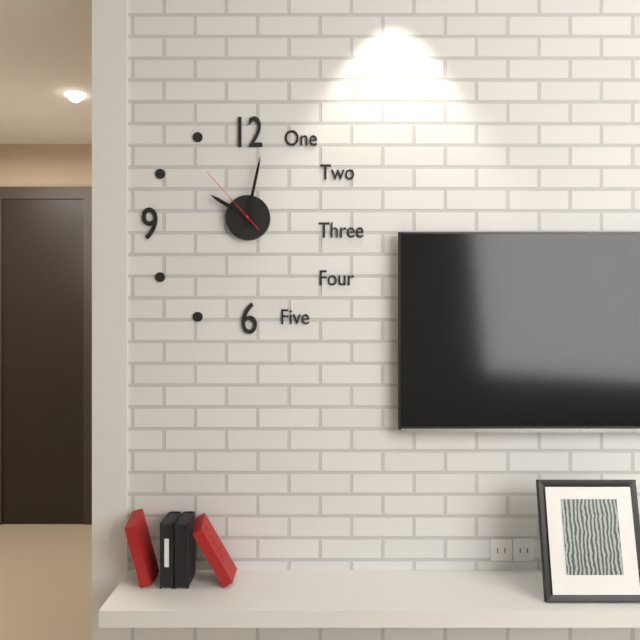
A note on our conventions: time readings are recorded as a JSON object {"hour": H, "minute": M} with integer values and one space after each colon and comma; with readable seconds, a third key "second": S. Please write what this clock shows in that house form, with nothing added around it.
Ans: {"hour": 10, "minute": 2, "second": 53}
